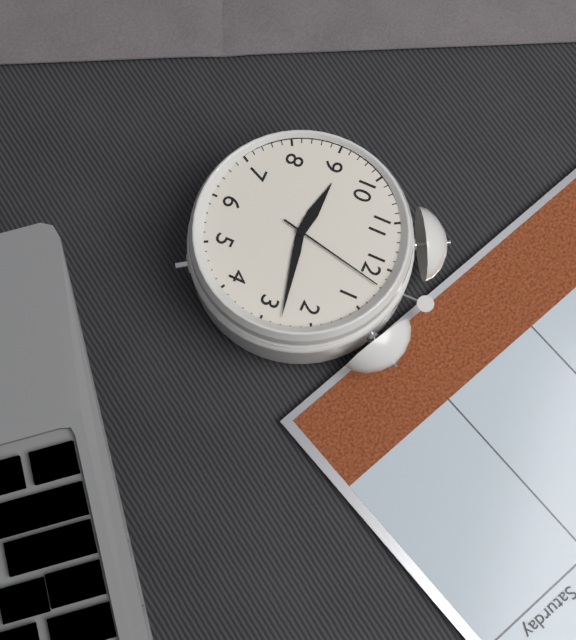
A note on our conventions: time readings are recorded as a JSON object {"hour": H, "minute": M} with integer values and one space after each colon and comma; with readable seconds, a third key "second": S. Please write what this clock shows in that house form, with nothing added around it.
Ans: {"hour": 9, "minute": 13, "second": 2}
